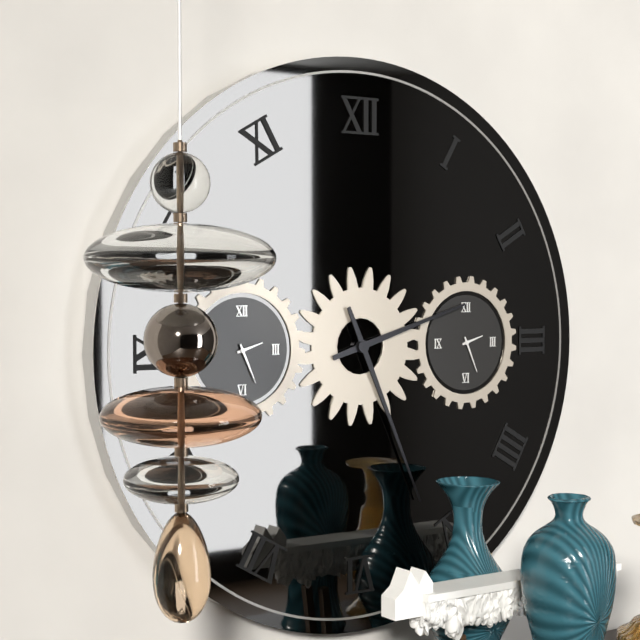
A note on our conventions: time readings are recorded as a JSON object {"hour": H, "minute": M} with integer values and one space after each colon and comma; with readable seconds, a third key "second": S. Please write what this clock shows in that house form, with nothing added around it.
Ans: {"hour": 2, "minute": 26}
